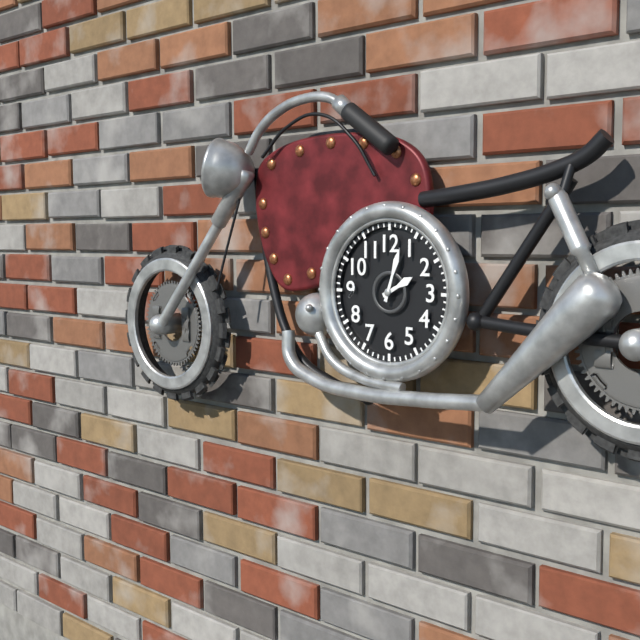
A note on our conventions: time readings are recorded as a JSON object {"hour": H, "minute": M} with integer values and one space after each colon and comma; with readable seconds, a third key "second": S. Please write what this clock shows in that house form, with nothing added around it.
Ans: {"hour": 2, "minute": 3}
